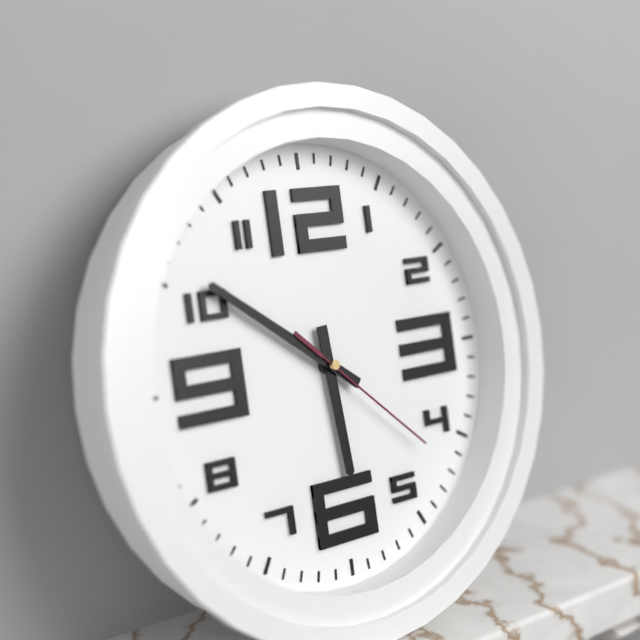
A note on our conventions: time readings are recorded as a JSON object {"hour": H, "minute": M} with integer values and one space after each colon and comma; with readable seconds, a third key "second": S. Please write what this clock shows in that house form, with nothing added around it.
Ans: {"hour": 5, "minute": 51, "second": 22}
